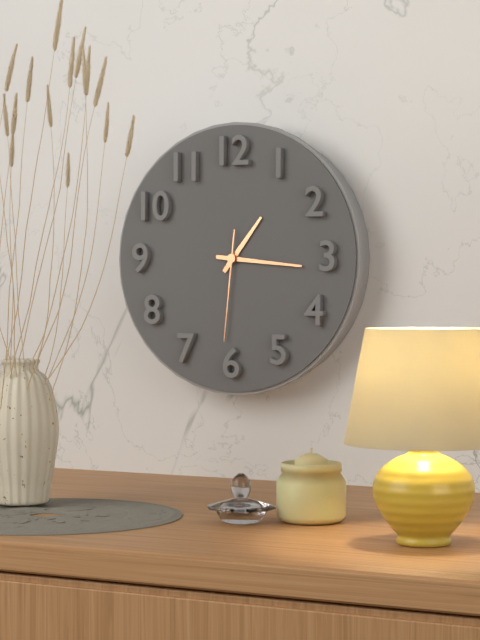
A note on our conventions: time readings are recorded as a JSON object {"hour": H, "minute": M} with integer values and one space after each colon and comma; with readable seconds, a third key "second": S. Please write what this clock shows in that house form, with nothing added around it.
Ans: {"hour": 1, "minute": 16, "second": 31}
